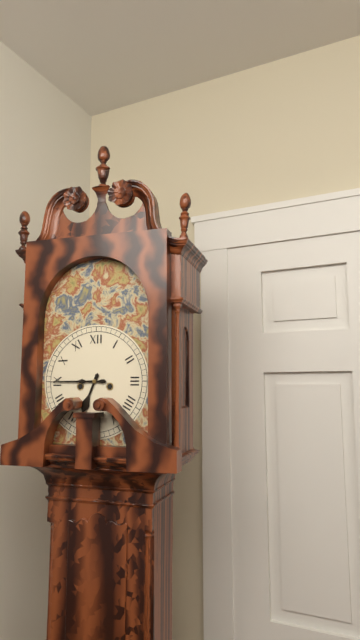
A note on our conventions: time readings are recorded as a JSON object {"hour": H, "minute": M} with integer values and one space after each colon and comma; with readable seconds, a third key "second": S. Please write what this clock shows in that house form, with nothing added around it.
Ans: {"hour": 6, "minute": 45}
